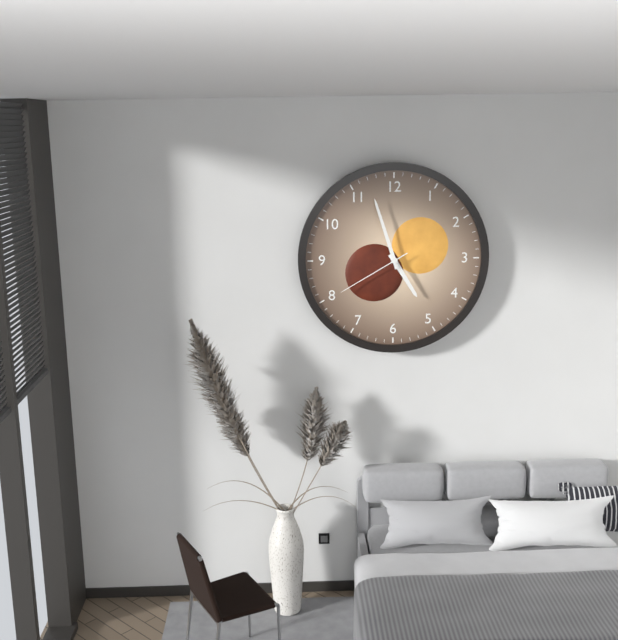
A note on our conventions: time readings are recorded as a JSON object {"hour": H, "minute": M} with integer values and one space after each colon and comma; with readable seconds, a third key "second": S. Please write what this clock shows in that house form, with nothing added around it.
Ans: {"hour": 4, "minute": 57, "second": 40}
